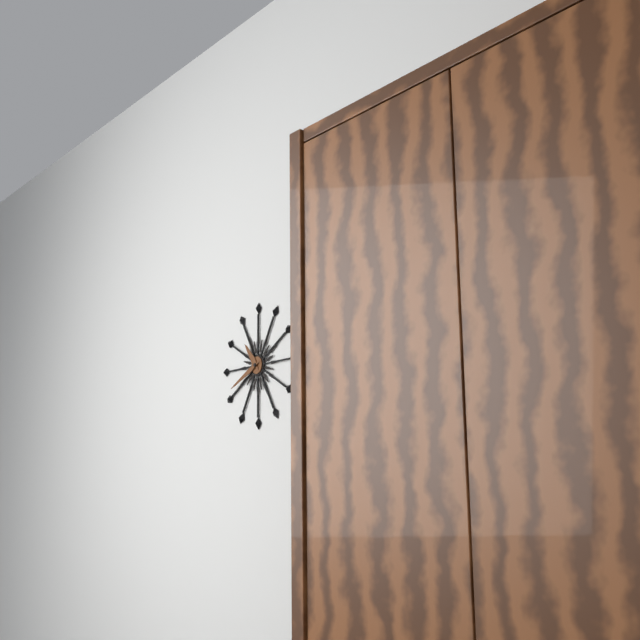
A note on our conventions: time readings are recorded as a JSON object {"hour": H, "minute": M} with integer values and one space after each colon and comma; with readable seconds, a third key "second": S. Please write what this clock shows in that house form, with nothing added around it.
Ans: {"hour": 10, "minute": 41}
